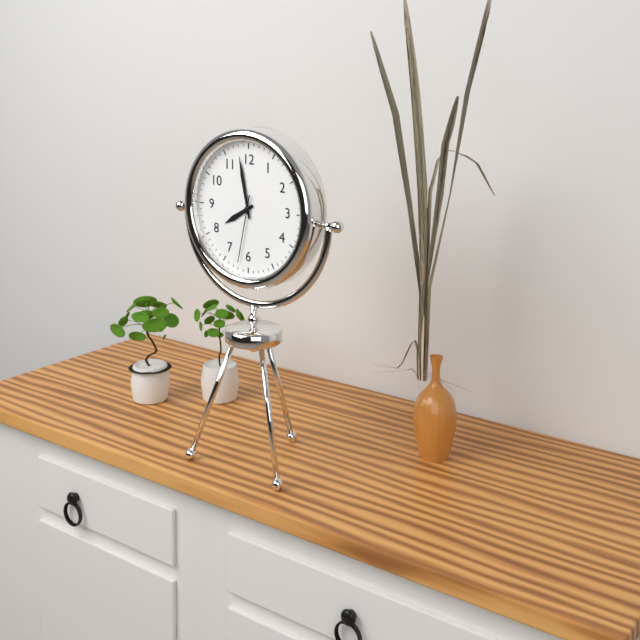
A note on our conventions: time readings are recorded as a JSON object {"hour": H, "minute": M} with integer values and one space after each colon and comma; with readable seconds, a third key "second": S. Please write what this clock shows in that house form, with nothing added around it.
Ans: {"hour": 7, "minute": 58, "second": 32}
